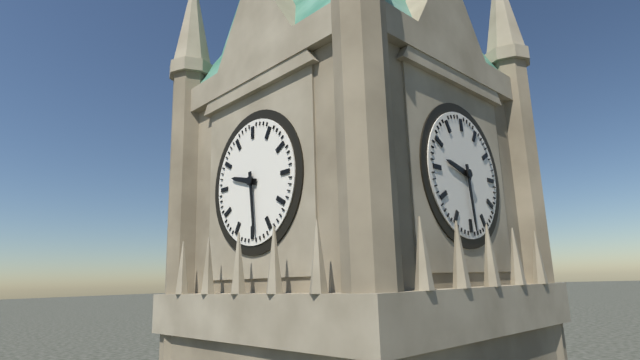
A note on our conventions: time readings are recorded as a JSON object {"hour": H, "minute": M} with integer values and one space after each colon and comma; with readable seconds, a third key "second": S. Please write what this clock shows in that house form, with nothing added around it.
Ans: {"hour": 9, "minute": 29}
